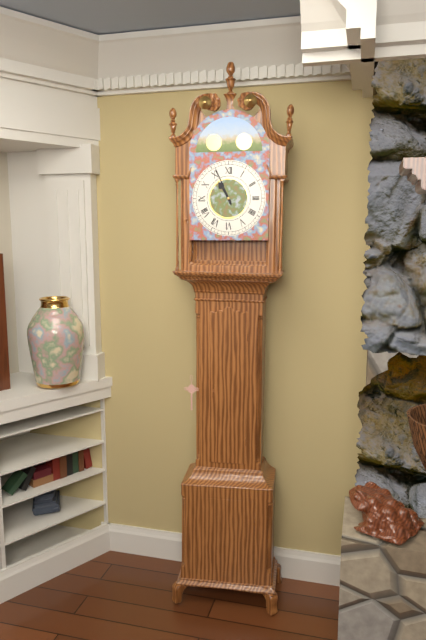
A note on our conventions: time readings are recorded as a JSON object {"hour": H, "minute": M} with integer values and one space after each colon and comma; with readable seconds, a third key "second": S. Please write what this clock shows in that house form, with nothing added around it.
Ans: {"hour": 10, "minute": 56}
